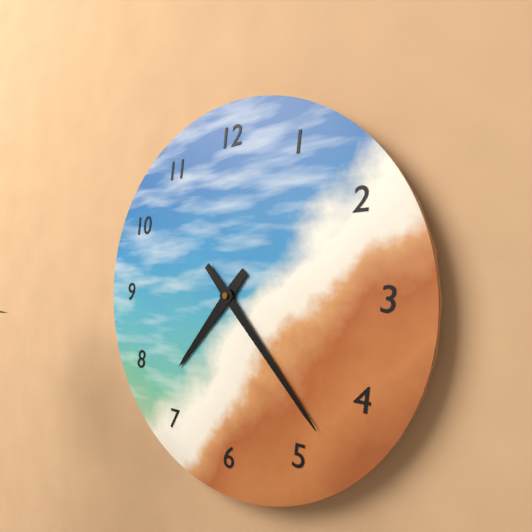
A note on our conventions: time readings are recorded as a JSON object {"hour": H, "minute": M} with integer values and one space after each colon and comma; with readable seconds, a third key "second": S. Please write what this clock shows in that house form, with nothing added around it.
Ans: {"hour": 7, "minute": 23}
